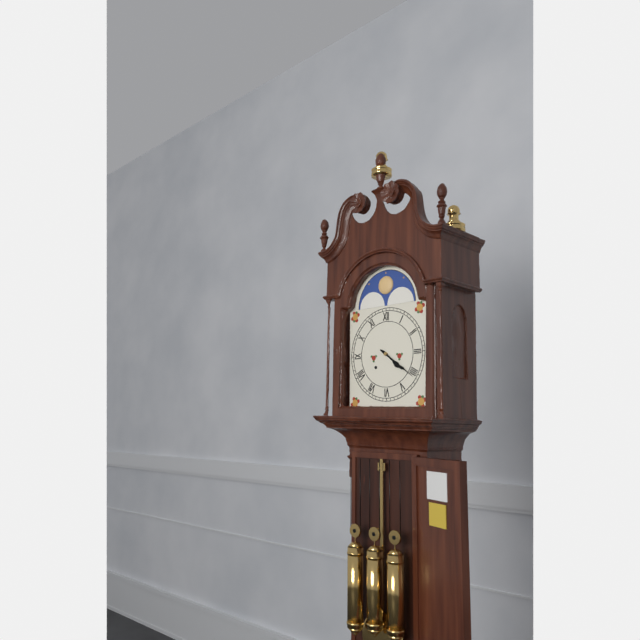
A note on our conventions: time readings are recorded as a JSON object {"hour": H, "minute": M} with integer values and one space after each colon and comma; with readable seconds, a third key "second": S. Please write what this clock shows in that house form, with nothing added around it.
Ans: {"hour": 4, "minute": 21}
